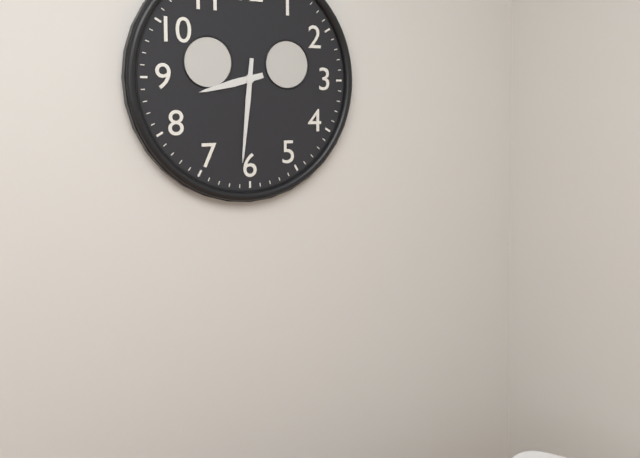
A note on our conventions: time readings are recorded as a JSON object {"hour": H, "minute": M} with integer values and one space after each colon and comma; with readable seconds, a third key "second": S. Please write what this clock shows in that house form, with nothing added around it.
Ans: {"hour": 8, "minute": 31}
